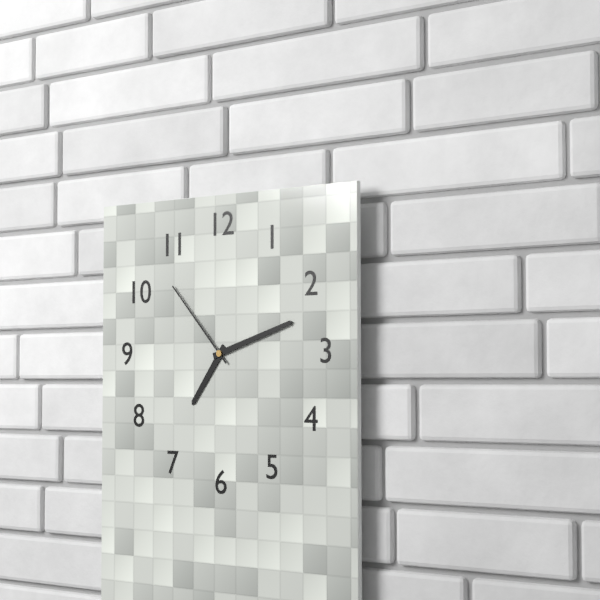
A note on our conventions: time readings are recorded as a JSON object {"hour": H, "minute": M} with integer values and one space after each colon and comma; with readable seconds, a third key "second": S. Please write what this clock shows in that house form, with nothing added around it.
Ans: {"hour": 7, "minute": 12, "second": 53}
